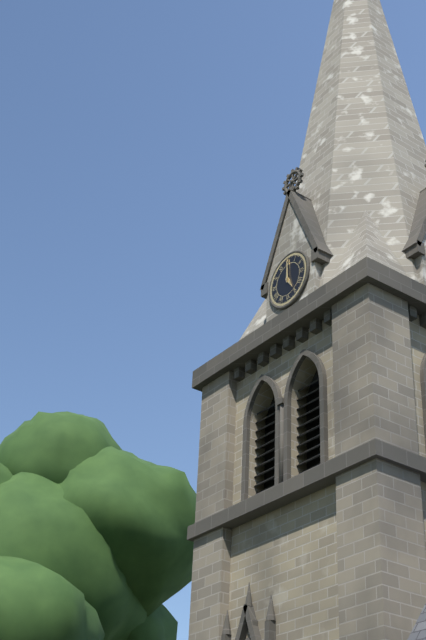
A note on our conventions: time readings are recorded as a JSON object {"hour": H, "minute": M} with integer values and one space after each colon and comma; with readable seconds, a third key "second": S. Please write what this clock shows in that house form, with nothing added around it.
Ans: {"hour": 5, "minute": 0}
